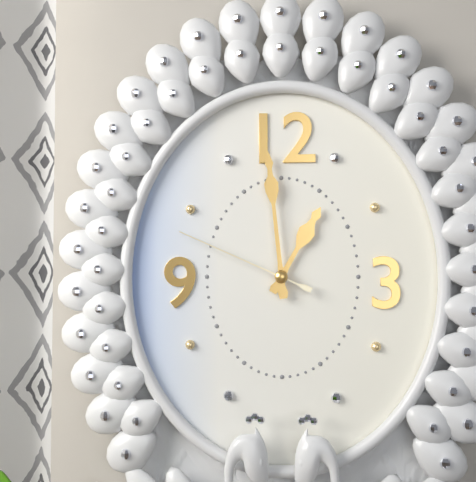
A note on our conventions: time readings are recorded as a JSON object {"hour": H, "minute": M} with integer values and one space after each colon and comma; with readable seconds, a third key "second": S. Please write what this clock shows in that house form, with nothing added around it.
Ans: {"hour": 12, "minute": 59, "second": 49}
